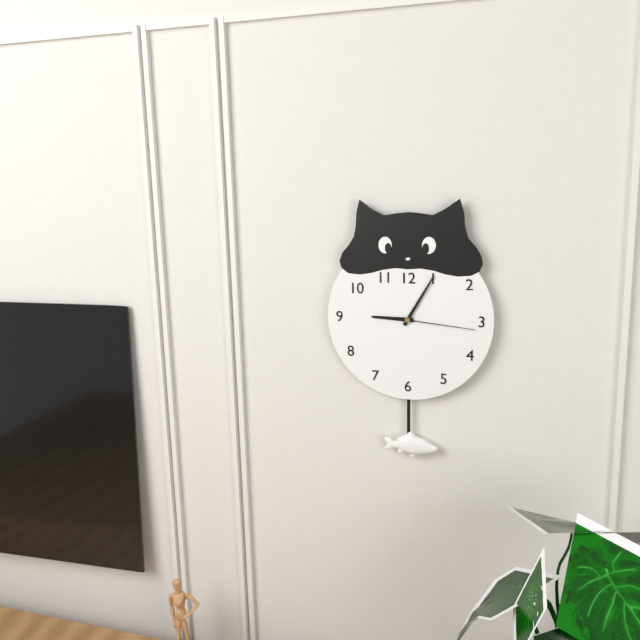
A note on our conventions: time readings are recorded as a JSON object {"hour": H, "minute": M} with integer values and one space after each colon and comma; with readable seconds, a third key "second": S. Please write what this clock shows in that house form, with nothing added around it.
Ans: {"hour": 9, "minute": 5, "second": 16}
